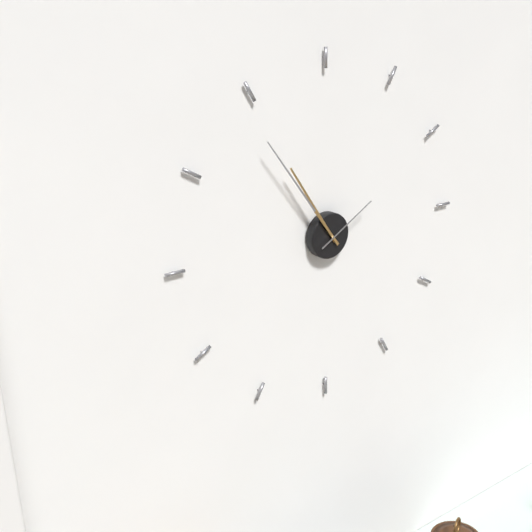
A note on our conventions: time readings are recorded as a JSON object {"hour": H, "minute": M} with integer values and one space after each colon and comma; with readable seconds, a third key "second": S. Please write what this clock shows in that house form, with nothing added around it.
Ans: {"hour": 10, "minute": 54, "second": 10}
